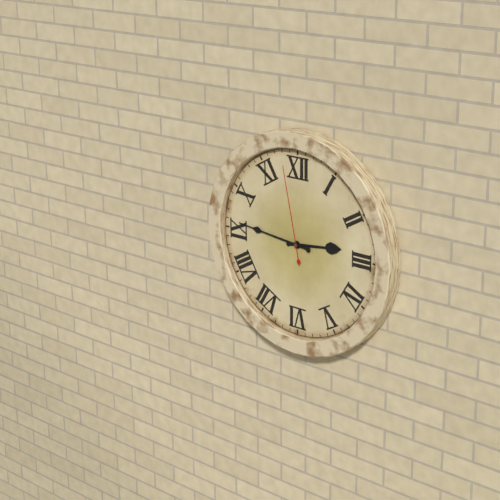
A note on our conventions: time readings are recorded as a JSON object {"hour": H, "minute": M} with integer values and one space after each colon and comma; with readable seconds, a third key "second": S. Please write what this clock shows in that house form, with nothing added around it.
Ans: {"hour": 2, "minute": 46, "second": 58}
